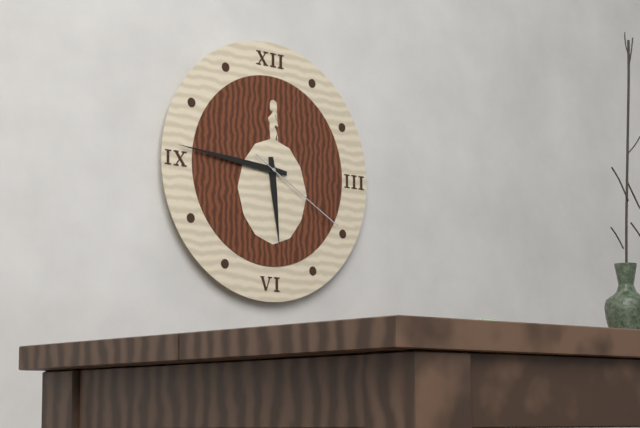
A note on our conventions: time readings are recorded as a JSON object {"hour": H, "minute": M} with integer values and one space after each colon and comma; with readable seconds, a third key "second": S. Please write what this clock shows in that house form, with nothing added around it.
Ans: {"hour": 5, "minute": 46, "second": 20}
